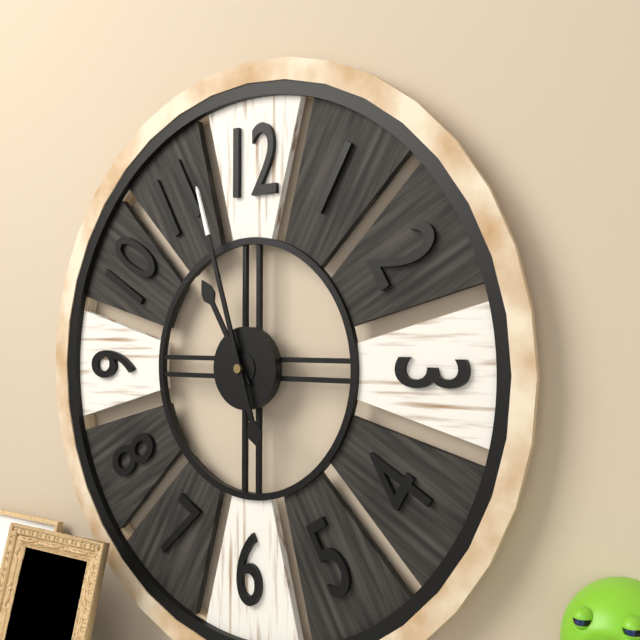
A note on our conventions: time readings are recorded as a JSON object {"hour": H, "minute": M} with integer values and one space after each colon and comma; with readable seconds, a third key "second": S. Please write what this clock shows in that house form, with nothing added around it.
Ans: {"hour": 10, "minute": 57}
